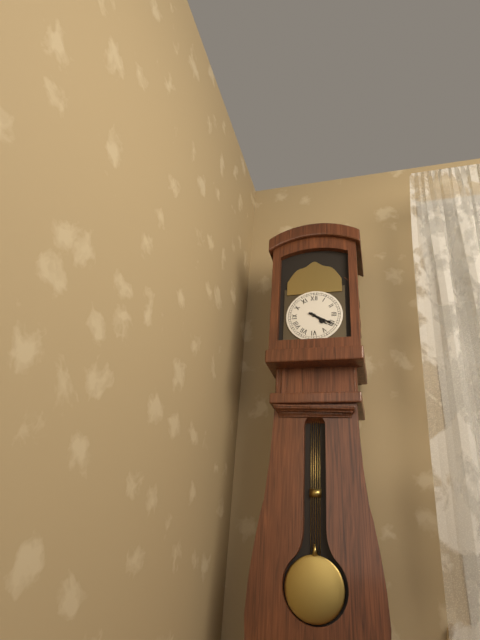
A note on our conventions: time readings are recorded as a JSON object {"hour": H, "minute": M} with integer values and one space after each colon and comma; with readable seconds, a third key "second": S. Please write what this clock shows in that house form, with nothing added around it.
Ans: {"hour": 4, "minute": 20}
